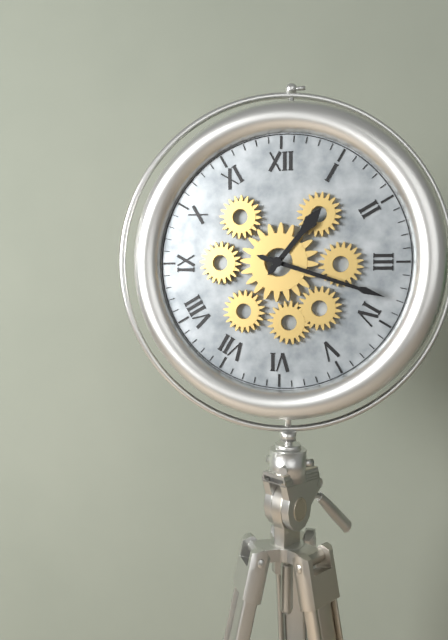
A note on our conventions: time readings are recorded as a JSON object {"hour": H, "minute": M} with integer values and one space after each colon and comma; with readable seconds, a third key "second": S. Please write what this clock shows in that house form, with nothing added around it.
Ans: {"hour": 1, "minute": 18}
